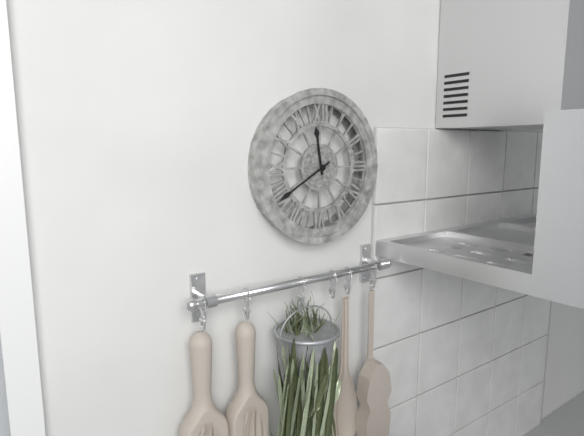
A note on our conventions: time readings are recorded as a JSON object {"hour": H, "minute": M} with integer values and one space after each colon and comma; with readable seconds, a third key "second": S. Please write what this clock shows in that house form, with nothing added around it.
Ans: {"hour": 11, "minute": 40}
